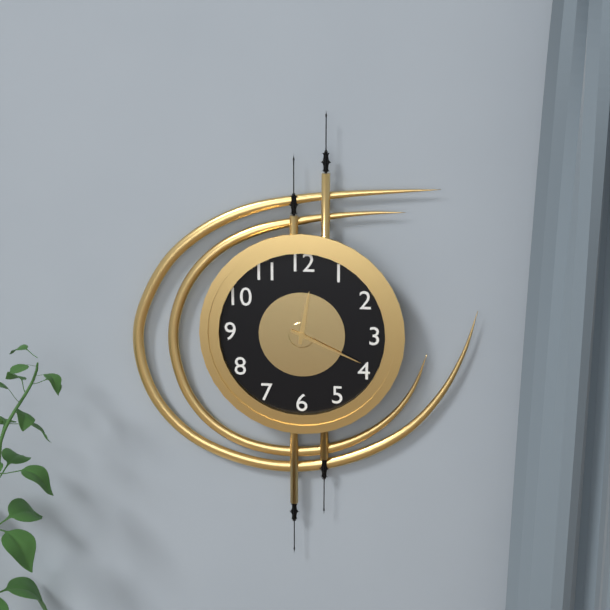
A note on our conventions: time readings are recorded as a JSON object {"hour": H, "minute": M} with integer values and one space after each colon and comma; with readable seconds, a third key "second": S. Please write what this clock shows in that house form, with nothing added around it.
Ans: {"hour": 12, "minute": 19}
